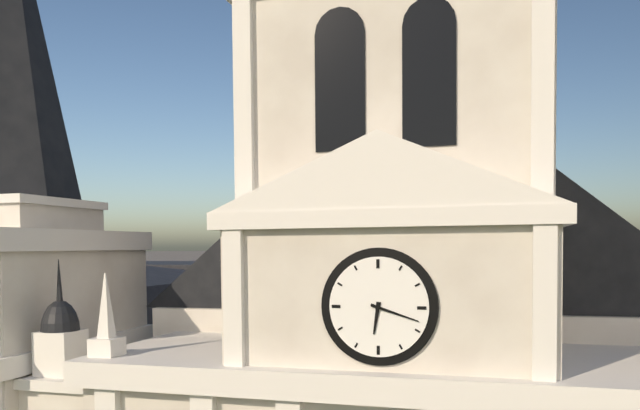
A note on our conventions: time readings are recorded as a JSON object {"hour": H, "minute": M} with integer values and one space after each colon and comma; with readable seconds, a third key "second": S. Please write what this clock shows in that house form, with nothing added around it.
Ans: {"hour": 6, "minute": 18}
